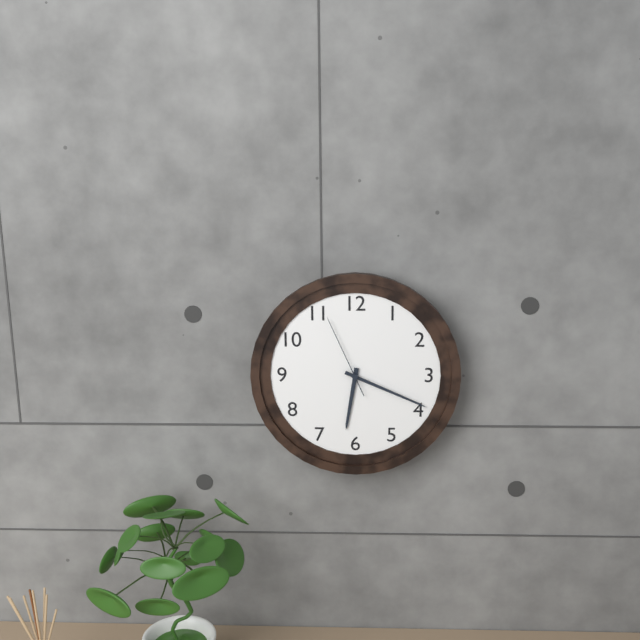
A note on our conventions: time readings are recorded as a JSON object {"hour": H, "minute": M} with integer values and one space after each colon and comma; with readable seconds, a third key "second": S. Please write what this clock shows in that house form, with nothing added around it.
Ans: {"hour": 6, "minute": 19, "second": 56}
